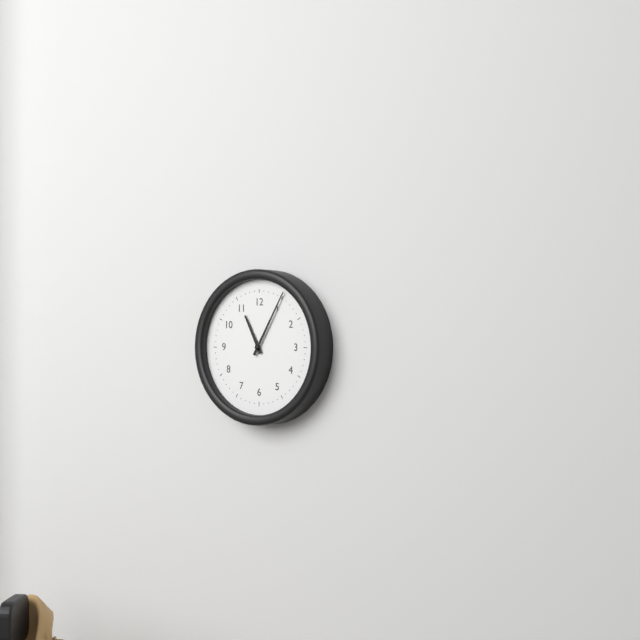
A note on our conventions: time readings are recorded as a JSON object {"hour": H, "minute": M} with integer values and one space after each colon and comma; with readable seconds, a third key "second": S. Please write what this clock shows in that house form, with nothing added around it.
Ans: {"hour": 11, "minute": 5}
